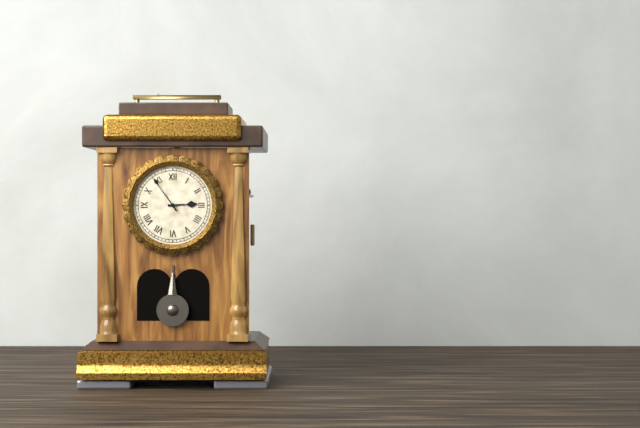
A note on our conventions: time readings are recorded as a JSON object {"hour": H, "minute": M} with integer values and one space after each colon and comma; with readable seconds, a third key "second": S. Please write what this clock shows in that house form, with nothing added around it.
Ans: {"hour": 2, "minute": 54}
